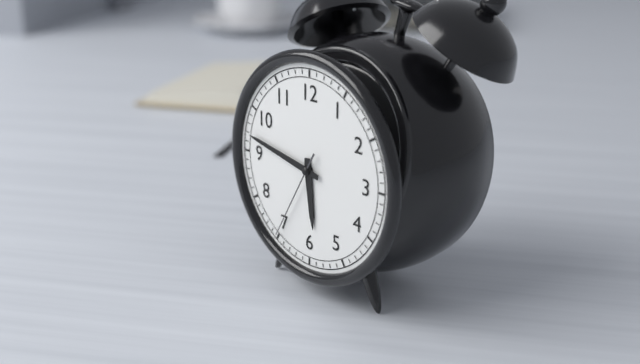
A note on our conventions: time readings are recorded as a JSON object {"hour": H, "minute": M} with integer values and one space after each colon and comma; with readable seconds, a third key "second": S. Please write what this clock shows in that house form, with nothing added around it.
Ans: {"hour": 5, "minute": 47, "second": 35}
